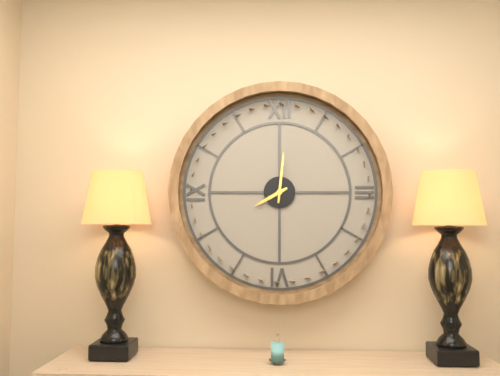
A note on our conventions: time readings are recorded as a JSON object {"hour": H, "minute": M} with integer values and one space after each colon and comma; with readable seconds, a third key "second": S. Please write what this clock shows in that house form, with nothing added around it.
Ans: {"hour": 8, "minute": 1}
